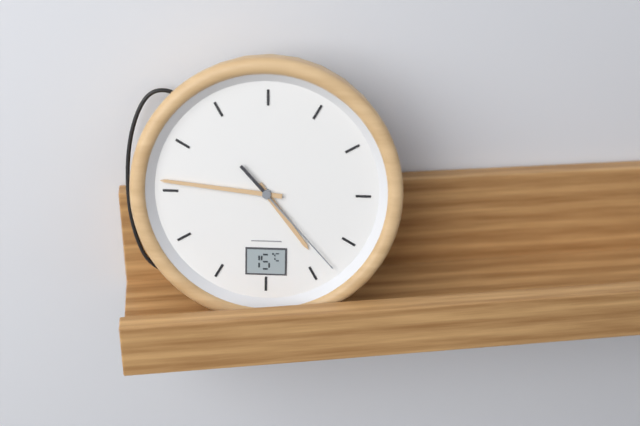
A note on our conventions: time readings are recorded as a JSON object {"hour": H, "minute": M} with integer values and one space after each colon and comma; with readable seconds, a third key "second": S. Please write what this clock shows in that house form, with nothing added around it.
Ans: {"hour": 4, "minute": 46, "second": 23}
